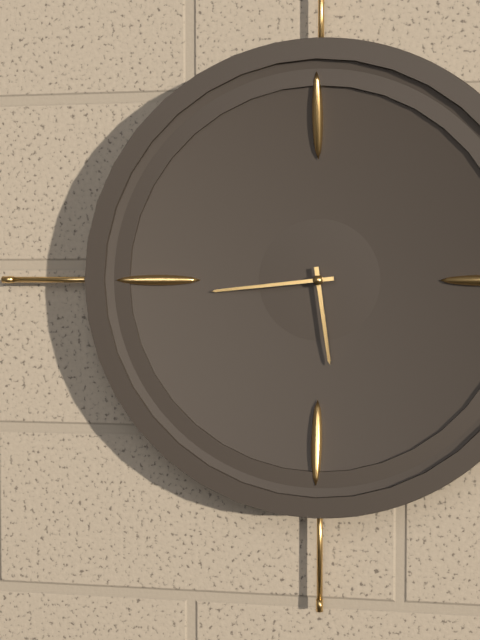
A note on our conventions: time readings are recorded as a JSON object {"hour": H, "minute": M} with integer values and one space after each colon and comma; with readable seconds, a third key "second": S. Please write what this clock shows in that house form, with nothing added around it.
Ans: {"hour": 5, "minute": 44}
